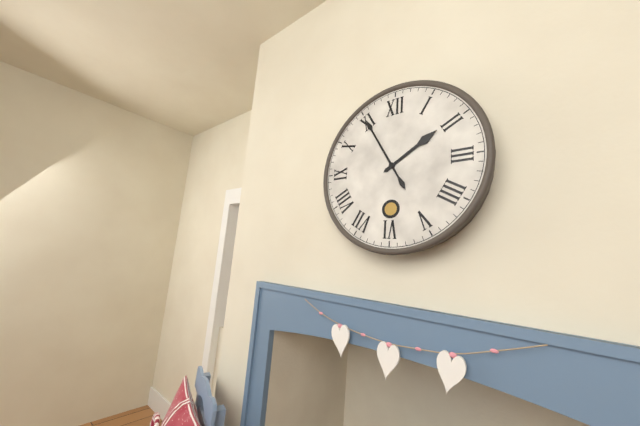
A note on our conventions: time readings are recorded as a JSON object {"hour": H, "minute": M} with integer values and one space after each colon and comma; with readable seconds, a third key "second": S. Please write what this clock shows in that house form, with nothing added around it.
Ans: {"hour": 1, "minute": 55}
